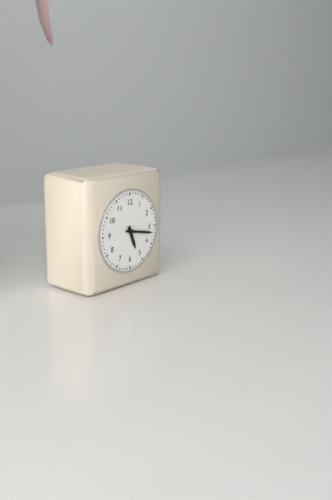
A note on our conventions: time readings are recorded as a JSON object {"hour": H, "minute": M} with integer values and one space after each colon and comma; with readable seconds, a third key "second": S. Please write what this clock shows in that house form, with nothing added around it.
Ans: {"hour": 5, "minute": 17}
